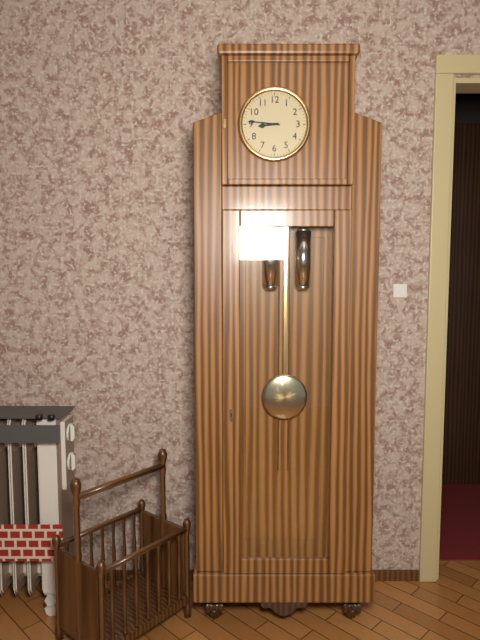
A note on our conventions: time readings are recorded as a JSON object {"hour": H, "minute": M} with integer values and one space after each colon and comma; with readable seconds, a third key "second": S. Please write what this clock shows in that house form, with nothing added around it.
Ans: {"hour": 8, "minute": 46}
